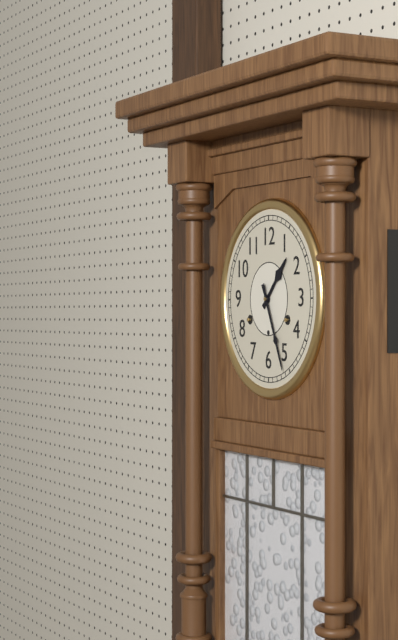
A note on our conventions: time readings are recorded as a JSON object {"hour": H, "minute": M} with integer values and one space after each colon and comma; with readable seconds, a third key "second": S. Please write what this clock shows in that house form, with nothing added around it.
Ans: {"hour": 1, "minute": 26}
